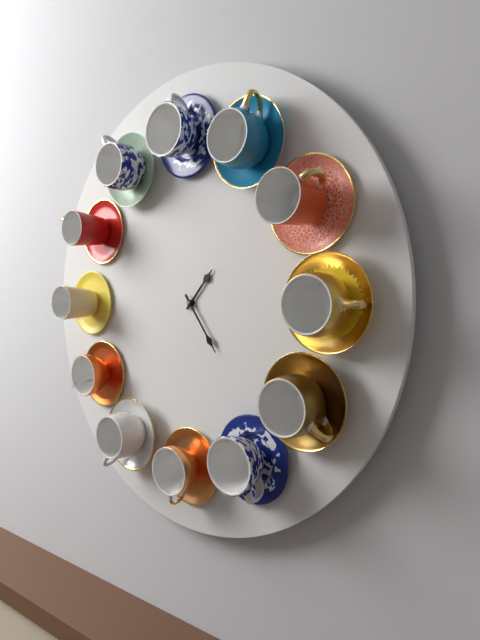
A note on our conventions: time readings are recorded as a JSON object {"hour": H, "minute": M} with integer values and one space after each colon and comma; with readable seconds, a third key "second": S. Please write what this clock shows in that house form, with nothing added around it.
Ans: {"hour": 1, "minute": 24}
